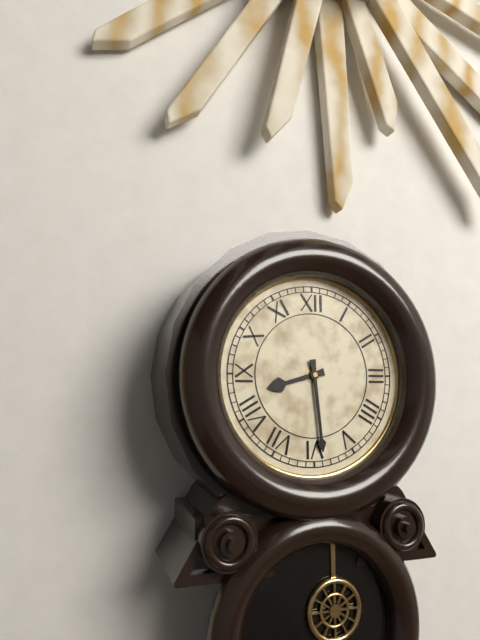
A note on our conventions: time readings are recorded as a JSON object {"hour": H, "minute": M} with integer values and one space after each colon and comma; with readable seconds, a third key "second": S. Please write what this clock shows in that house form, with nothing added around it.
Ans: {"hour": 8, "minute": 29}
